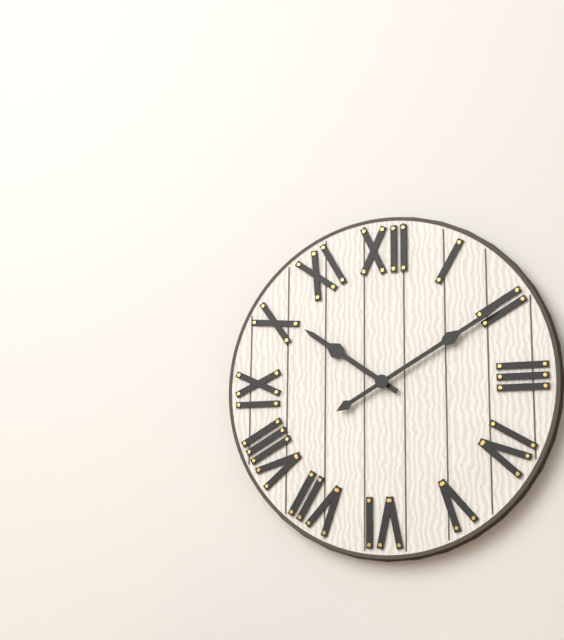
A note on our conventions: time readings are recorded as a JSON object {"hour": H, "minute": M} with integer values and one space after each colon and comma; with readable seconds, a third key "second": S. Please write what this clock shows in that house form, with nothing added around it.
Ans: {"hour": 10, "minute": 10}
